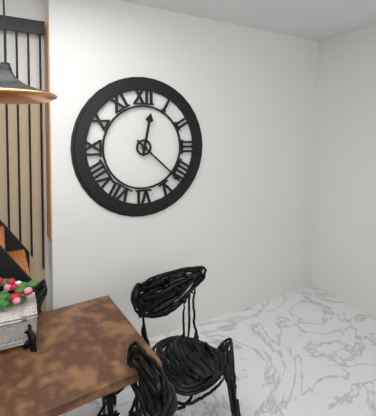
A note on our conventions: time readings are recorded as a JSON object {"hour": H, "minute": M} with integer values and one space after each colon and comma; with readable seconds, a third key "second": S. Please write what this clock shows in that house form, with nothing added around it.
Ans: {"hour": 12, "minute": 22}
